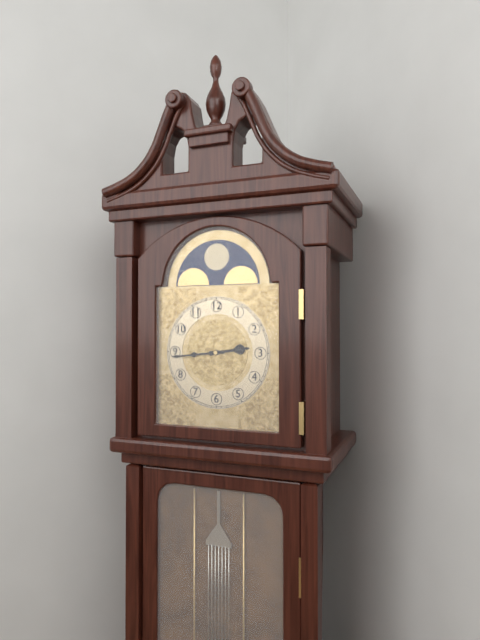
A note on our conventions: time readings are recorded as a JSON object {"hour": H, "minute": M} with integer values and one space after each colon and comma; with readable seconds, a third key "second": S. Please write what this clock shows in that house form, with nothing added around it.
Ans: {"hour": 2, "minute": 44}
